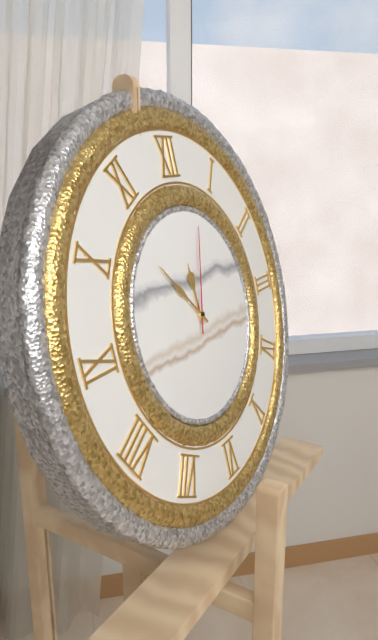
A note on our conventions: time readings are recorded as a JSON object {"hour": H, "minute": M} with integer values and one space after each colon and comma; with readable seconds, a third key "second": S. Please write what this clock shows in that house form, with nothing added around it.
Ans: {"hour": 11, "minute": 53, "second": 3}
